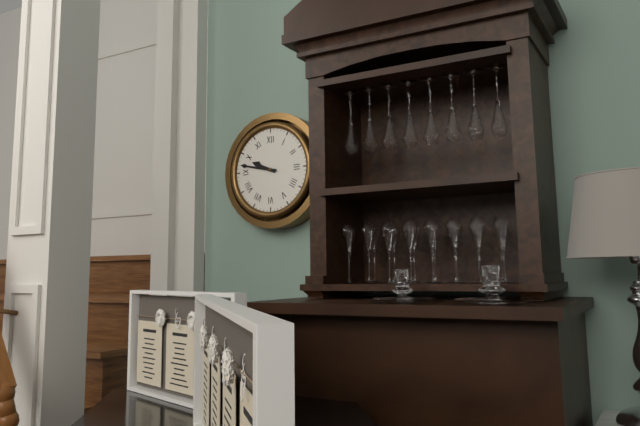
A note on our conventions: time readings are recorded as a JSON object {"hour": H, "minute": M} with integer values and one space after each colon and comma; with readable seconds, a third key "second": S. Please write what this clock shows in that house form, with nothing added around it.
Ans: {"hour": 9, "minute": 47}
